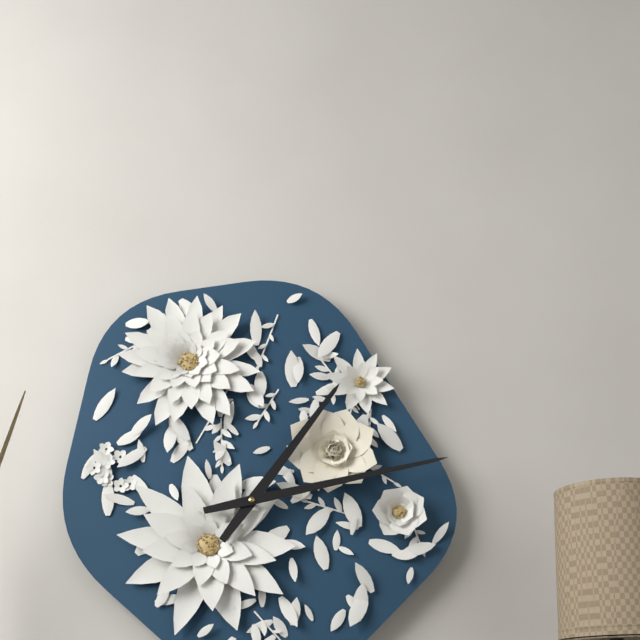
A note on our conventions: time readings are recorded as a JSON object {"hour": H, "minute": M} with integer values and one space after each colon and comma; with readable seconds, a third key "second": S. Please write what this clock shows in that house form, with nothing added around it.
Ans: {"hour": 1, "minute": 13}
